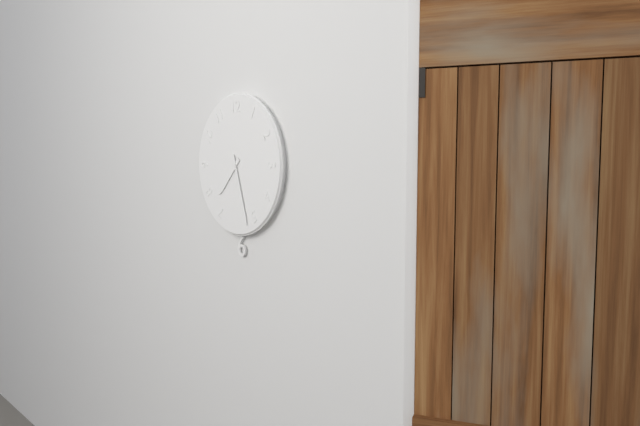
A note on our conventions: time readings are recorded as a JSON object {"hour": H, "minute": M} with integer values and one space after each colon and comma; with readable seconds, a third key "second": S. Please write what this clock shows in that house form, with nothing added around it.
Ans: {"hour": 7, "minute": 27}
